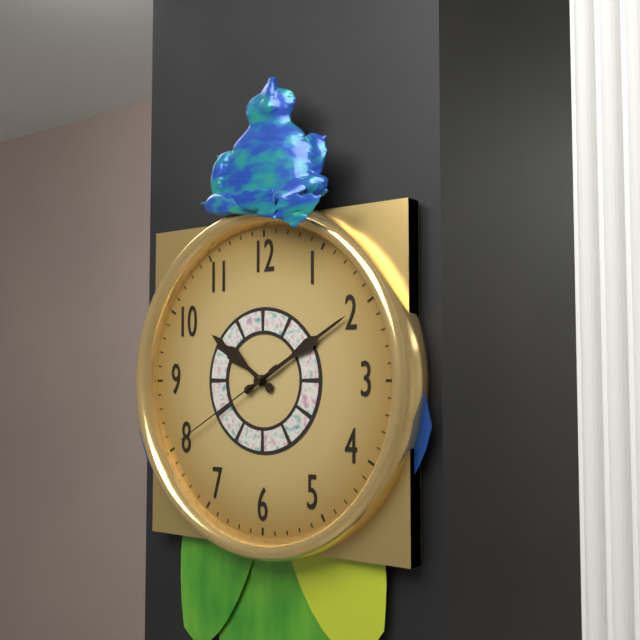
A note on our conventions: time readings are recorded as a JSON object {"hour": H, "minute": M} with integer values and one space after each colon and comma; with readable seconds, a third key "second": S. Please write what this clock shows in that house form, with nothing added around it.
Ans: {"hour": 10, "minute": 10, "second": 40}
